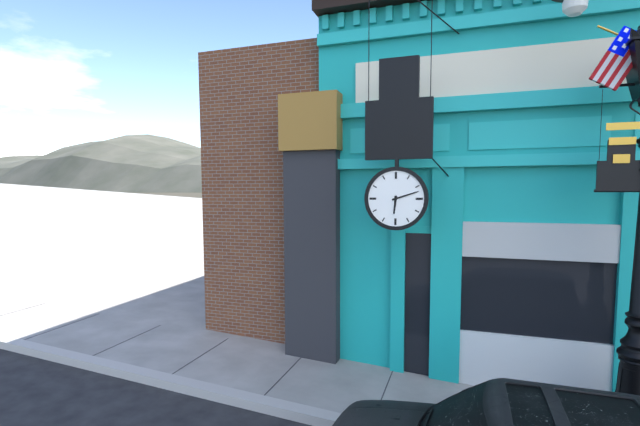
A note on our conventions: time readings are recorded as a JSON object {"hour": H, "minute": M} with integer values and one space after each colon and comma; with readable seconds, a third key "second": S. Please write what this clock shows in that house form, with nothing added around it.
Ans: {"hour": 6, "minute": 12}
